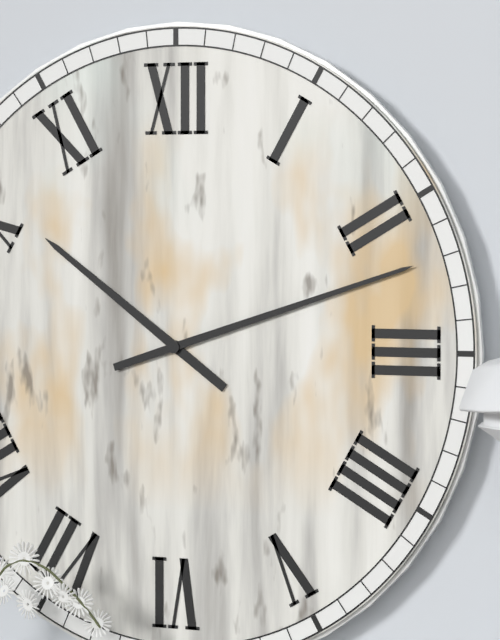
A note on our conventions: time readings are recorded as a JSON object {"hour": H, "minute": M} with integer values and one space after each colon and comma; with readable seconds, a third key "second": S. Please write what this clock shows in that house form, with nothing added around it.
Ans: {"hour": 10, "minute": 12}
